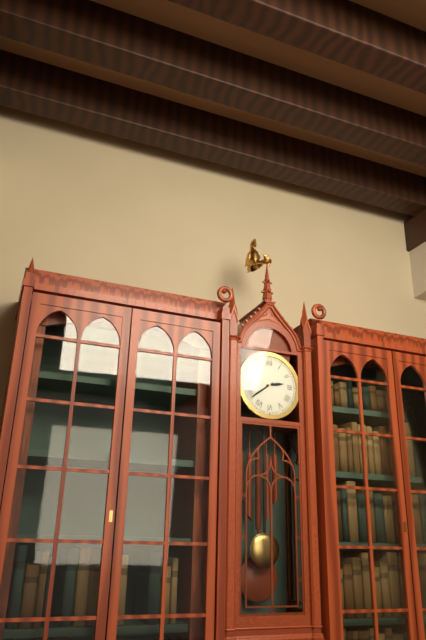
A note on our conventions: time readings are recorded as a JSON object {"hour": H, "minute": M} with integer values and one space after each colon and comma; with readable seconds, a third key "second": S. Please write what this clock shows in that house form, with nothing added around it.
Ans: {"hour": 2, "minute": 39}
